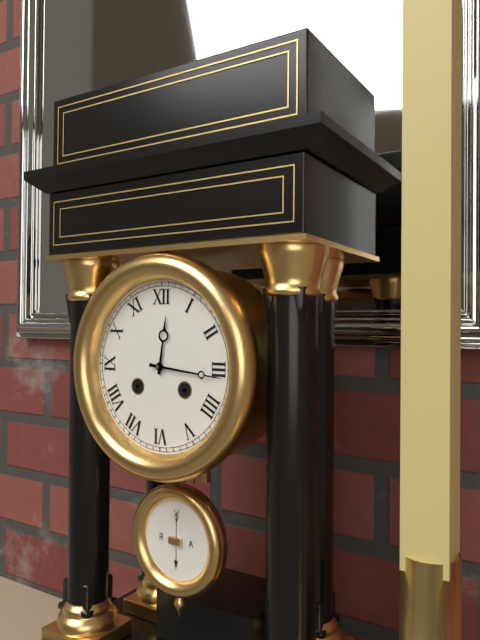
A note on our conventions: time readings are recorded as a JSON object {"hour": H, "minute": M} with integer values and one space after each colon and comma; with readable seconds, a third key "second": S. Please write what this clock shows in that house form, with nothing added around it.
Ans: {"hour": 12, "minute": 16}
